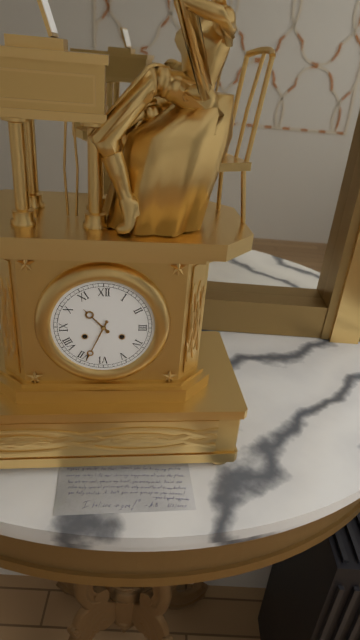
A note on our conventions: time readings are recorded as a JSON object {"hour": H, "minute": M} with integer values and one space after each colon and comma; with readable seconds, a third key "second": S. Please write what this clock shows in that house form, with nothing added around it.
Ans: {"hour": 10, "minute": 34}
